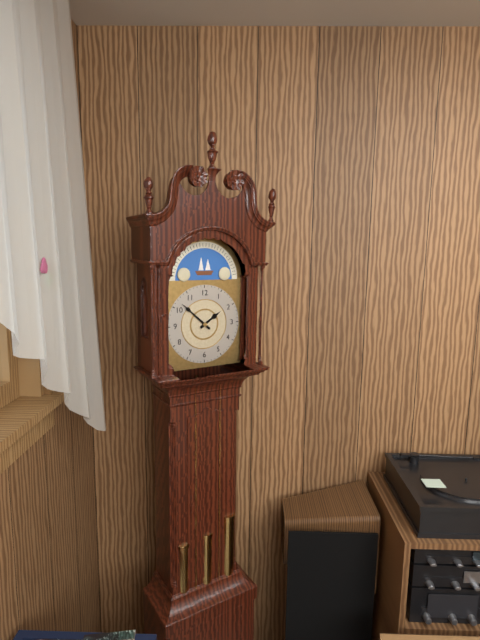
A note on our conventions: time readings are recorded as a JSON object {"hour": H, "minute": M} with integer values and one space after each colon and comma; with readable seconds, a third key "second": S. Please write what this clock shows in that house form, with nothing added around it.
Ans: {"hour": 1, "minute": 52}
